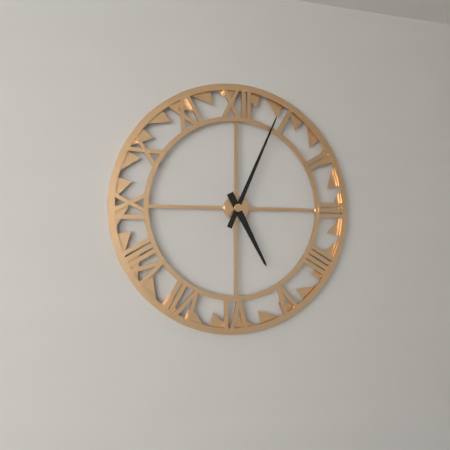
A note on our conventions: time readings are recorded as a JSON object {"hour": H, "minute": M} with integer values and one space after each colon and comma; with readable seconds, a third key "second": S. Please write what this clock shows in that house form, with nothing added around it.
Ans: {"hour": 5, "minute": 4}
